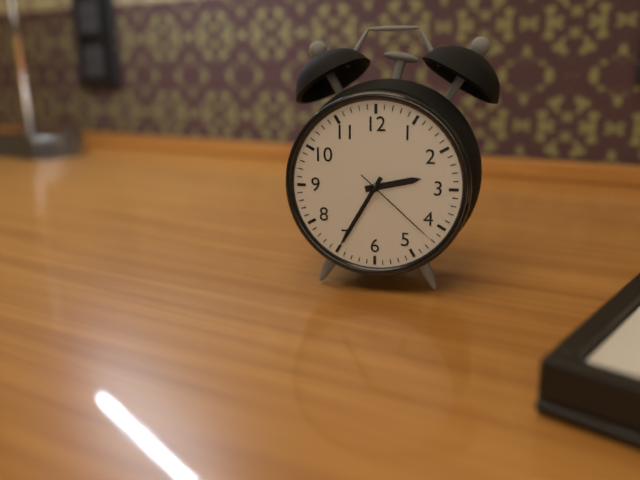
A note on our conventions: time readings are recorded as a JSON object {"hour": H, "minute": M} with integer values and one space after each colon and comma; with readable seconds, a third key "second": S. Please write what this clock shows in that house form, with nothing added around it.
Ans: {"hour": 2, "minute": 35, "second": 22}
